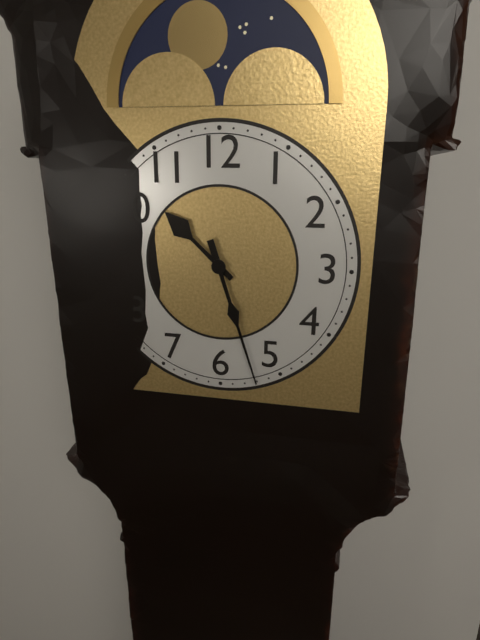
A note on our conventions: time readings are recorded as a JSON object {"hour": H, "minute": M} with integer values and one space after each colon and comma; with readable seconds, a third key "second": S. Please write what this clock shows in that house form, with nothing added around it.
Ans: {"hour": 10, "minute": 27}
